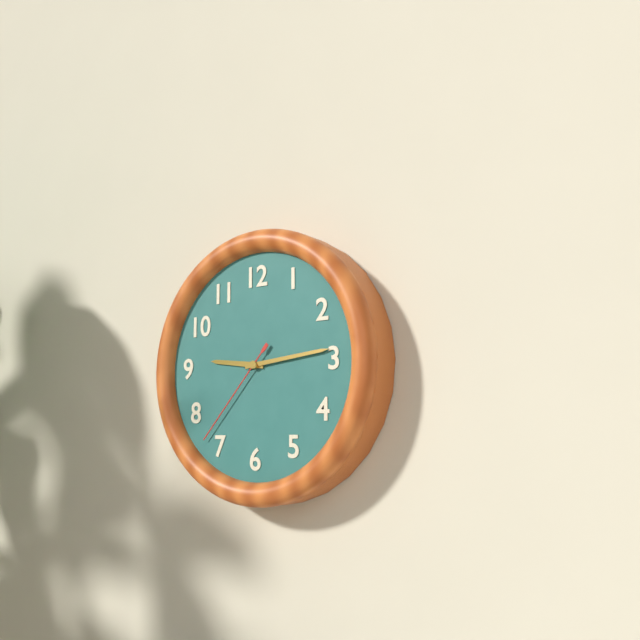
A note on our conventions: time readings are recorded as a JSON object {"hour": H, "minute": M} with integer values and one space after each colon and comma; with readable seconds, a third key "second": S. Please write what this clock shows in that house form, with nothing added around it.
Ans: {"hour": 9, "minute": 14, "second": 37}
